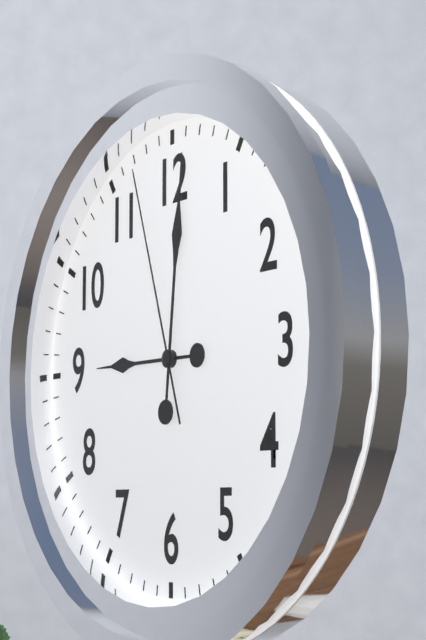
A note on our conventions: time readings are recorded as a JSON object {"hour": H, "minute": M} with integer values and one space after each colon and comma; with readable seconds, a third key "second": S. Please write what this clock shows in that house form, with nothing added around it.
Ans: {"hour": 9, "minute": 1, "second": 57}
